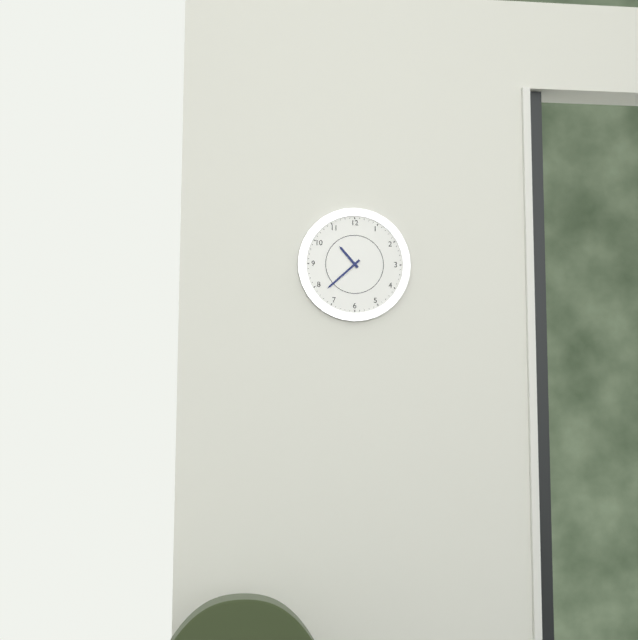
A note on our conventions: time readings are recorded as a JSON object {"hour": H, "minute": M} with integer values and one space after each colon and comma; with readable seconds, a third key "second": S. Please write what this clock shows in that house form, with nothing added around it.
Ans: {"hour": 10, "minute": 38}
